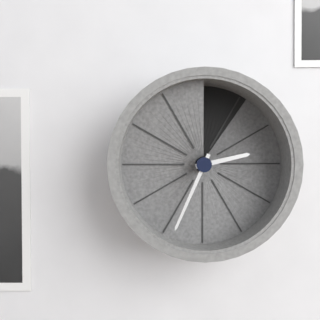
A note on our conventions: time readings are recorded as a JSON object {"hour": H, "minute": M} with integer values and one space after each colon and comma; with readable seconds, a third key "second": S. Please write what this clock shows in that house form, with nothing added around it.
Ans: {"hour": 2, "minute": 34}
